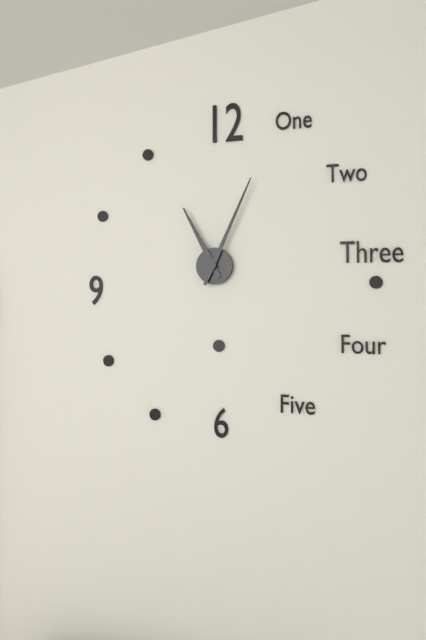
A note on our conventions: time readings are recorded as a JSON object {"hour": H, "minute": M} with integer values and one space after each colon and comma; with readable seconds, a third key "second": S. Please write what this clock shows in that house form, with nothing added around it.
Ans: {"hour": 11, "minute": 4}
